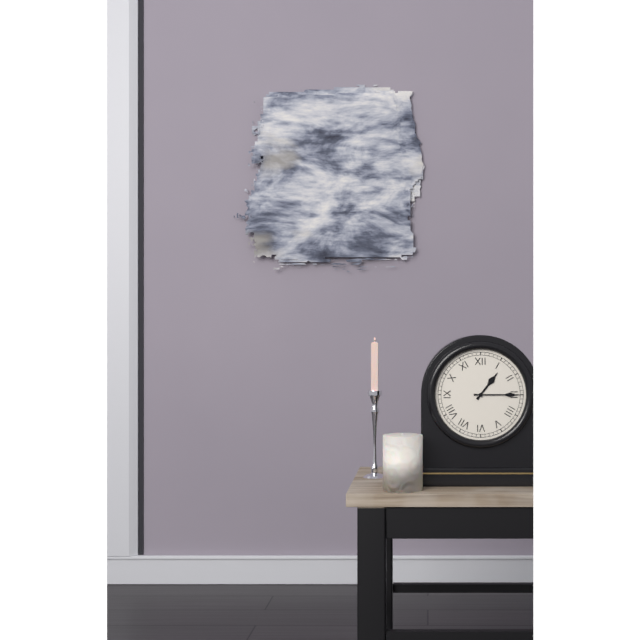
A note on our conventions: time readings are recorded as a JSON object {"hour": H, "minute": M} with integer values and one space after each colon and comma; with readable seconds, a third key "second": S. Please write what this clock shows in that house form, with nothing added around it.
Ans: {"hour": 1, "minute": 15}
